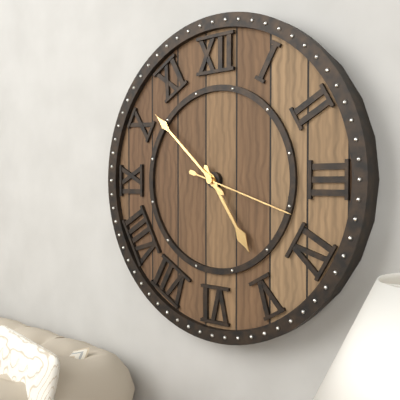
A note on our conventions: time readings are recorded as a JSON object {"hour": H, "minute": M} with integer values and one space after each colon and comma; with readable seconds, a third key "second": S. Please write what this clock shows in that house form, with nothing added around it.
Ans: {"hour": 4, "minute": 52, "second": 18}
